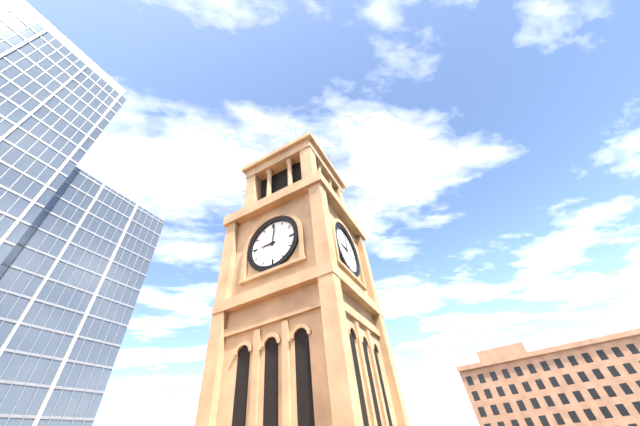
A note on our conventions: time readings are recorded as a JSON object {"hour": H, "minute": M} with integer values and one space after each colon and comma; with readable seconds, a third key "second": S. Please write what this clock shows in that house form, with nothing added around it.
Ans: {"hour": 9, "minute": 1}
